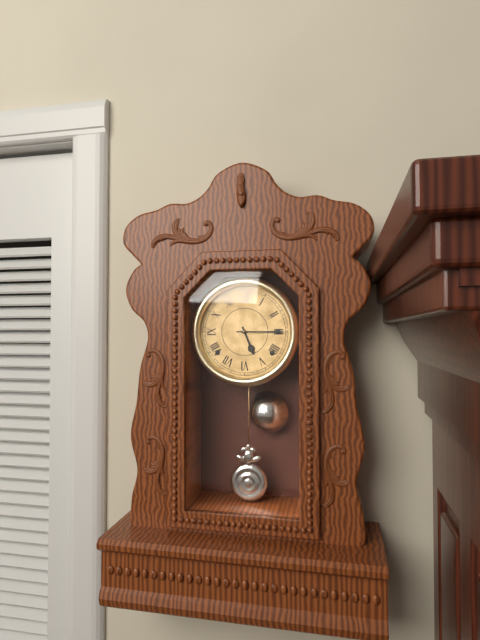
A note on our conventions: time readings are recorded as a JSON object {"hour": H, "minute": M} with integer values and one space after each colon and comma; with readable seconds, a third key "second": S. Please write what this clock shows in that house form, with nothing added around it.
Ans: {"hour": 5, "minute": 15}
